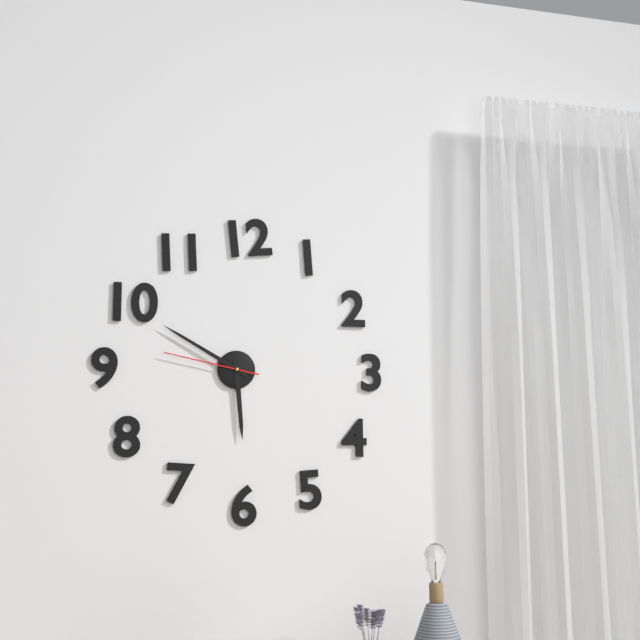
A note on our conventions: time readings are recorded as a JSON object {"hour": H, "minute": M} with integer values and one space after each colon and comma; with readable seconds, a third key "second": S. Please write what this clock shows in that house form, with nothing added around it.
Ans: {"hour": 5, "minute": 50, "second": 47}
